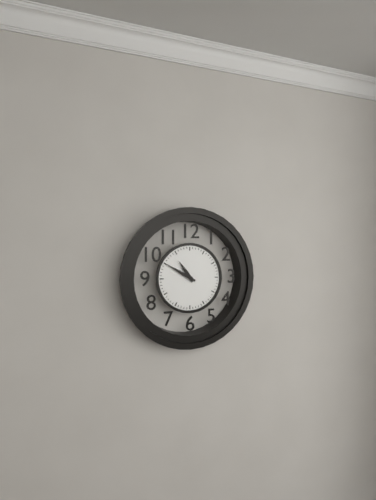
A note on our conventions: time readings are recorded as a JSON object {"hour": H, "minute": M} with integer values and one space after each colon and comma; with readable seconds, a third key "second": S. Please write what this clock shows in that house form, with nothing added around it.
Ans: {"hour": 10, "minute": 50}
